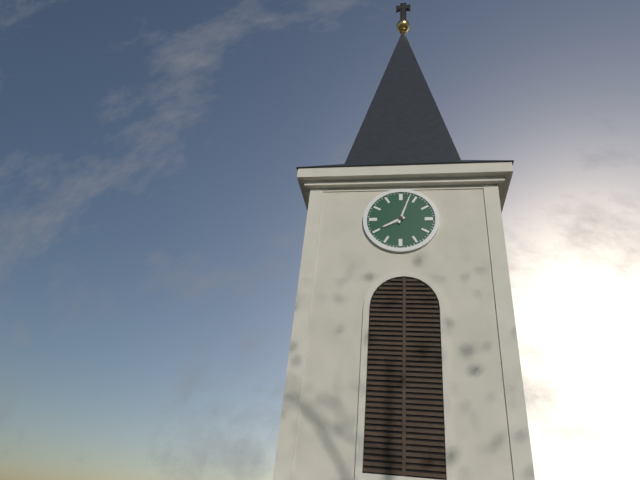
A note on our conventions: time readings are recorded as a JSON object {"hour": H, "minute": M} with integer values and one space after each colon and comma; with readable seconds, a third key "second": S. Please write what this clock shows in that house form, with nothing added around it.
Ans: {"hour": 8, "minute": 3}
